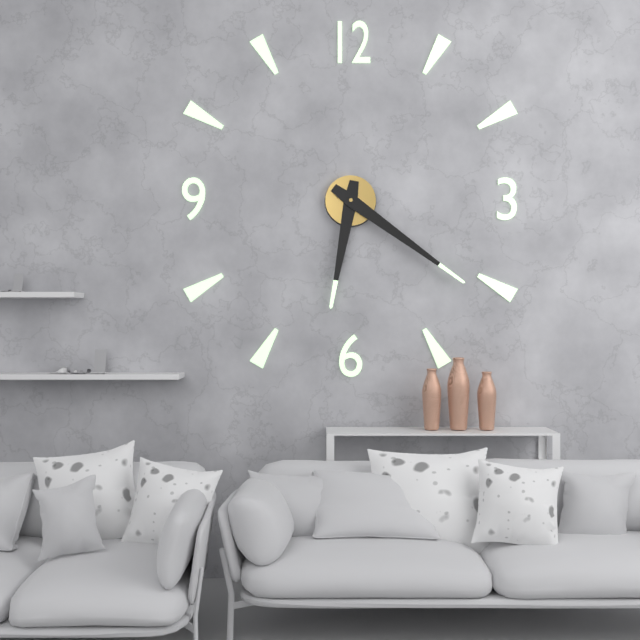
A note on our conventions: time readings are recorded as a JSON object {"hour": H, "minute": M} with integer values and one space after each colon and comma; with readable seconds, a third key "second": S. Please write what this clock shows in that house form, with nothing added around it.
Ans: {"hour": 6, "minute": 21}
